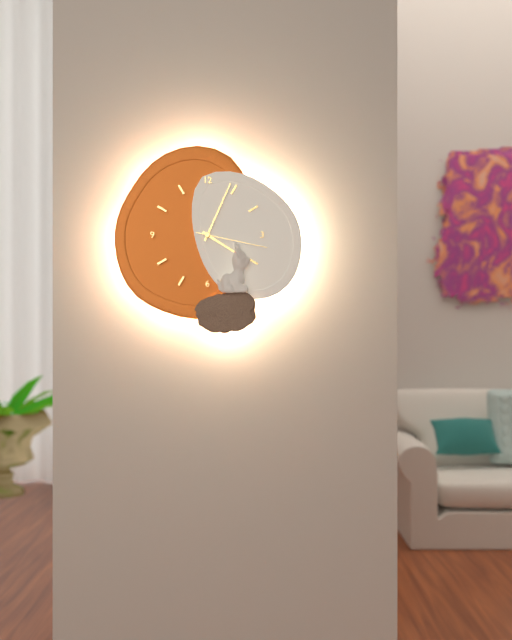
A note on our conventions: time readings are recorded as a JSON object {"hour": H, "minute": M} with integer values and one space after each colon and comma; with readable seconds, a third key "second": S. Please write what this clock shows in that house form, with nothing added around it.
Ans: {"hour": 4, "minute": 4, "second": 17}
